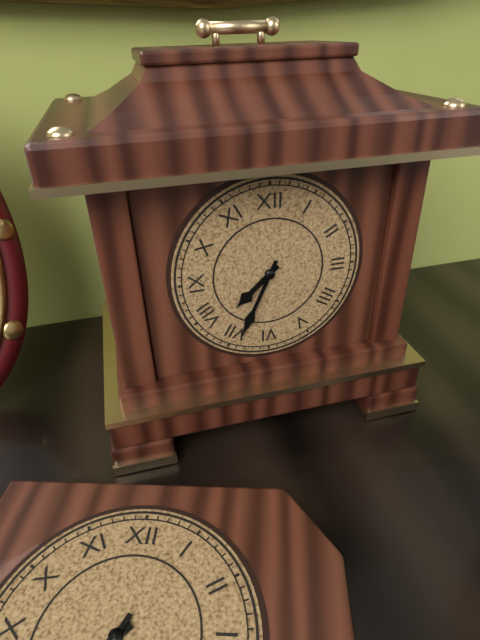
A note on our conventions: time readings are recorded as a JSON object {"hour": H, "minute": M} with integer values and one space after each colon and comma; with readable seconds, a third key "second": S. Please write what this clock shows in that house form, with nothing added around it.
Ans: {"hour": 7, "minute": 34}
